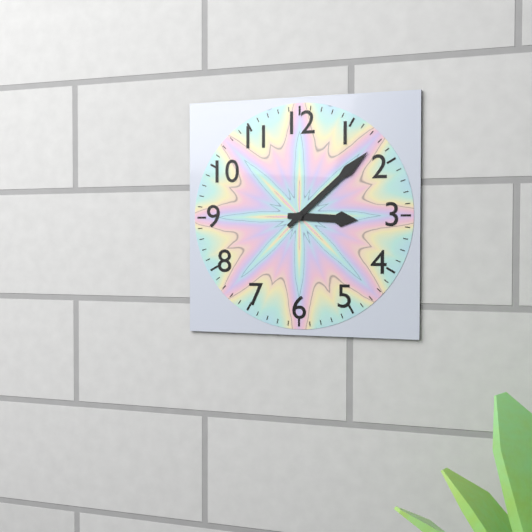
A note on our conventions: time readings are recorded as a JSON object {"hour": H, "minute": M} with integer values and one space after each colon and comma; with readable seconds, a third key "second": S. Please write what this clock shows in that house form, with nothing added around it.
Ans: {"hour": 3, "minute": 8}
